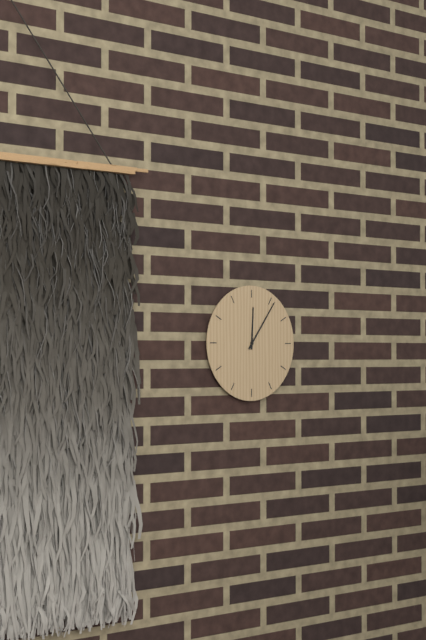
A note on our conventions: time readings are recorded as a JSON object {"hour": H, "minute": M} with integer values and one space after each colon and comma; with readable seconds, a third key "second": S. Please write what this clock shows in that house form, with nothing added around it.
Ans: {"hour": 12, "minute": 6}
